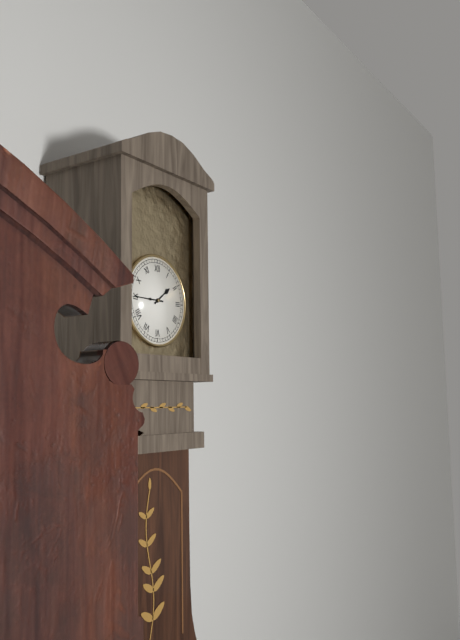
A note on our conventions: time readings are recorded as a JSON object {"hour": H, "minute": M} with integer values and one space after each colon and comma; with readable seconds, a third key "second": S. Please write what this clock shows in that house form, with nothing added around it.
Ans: {"hour": 1, "minute": 45}
